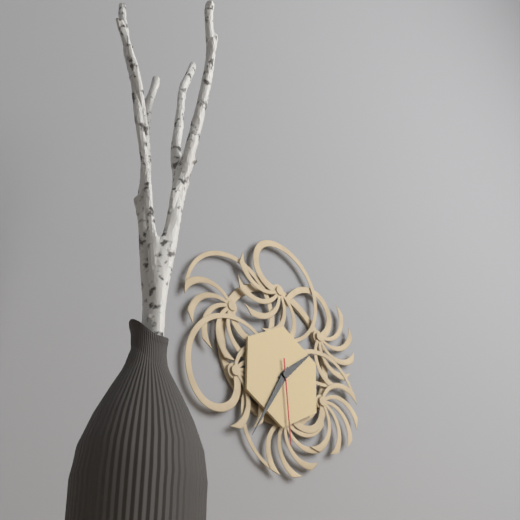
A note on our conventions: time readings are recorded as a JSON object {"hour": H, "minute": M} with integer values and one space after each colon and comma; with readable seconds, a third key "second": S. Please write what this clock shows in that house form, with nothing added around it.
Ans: {"hour": 1, "minute": 35, "second": 29}
